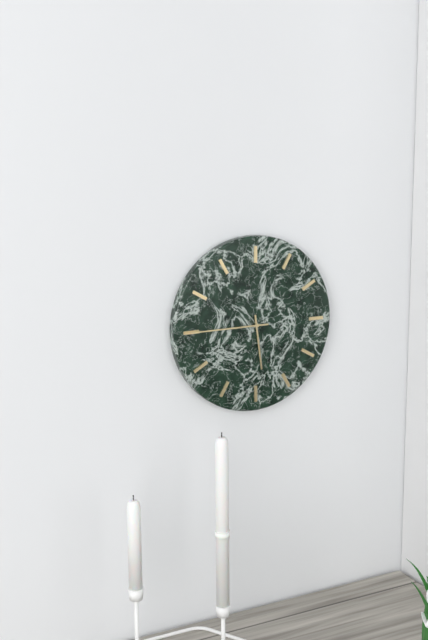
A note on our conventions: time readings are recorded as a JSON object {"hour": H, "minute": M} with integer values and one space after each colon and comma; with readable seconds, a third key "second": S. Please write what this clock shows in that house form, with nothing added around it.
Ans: {"hour": 5, "minute": 45}
